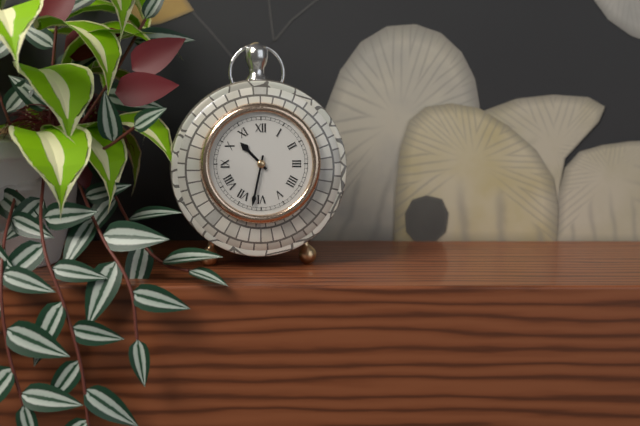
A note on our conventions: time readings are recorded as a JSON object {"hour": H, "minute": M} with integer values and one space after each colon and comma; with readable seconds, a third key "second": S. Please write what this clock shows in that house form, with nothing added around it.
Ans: {"hour": 10, "minute": 32}
